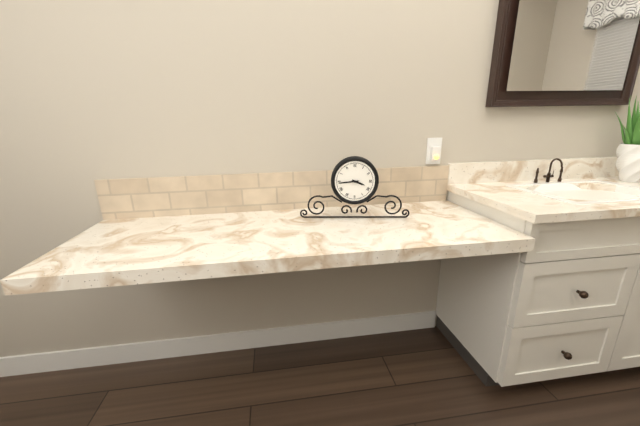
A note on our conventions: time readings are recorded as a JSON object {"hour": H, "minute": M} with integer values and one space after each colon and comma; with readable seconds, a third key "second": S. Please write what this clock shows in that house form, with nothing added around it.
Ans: {"hour": 3, "minute": 44}
